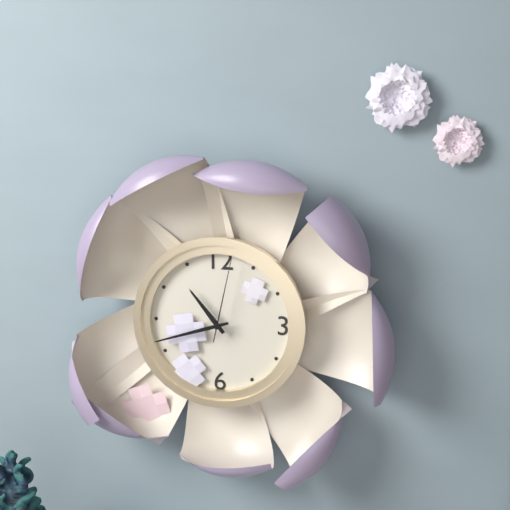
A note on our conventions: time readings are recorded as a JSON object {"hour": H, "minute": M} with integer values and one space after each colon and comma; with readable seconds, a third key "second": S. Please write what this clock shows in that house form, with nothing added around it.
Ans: {"hour": 10, "minute": 42, "second": 2}
